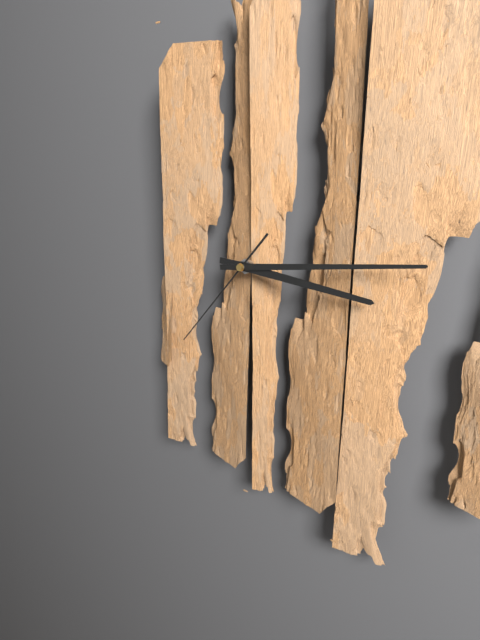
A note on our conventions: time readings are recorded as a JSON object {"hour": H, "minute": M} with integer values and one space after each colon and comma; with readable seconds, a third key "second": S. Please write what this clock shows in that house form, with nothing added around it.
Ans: {"hour": 3, "minute": 14, "second": 37}
